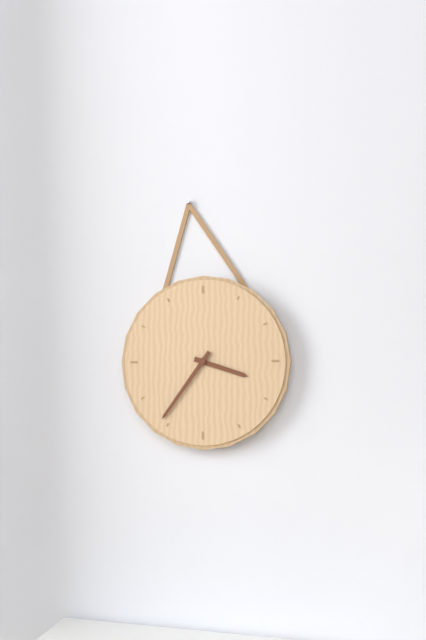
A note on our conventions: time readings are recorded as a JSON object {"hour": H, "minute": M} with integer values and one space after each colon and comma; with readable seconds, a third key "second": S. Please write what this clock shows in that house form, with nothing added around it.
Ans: {"hour": 3, "minute": 36}
